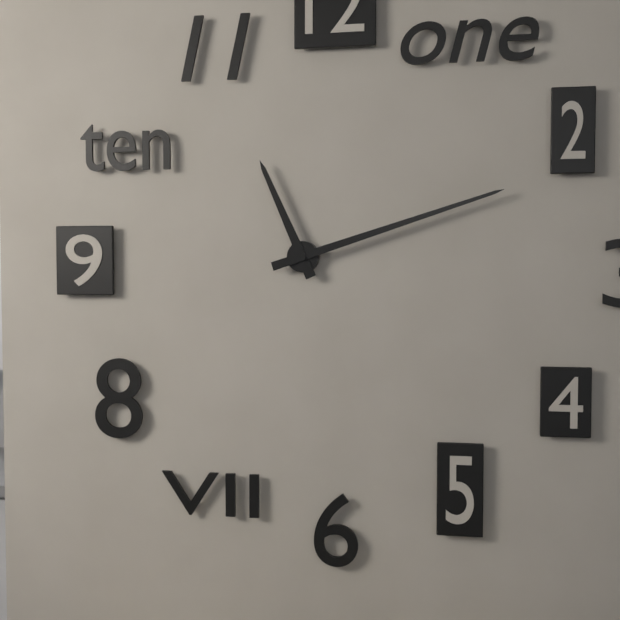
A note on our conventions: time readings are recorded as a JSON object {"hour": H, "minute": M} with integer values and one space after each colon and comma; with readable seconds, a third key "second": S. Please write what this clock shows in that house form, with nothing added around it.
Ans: {"hour": 11, "minute": 12}
